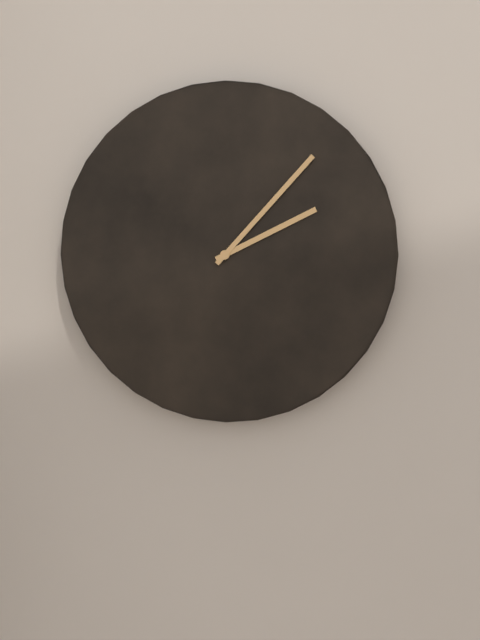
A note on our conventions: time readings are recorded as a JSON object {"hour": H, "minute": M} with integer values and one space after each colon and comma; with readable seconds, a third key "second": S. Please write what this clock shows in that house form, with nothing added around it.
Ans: {"hour": 2, "minute": 7}
